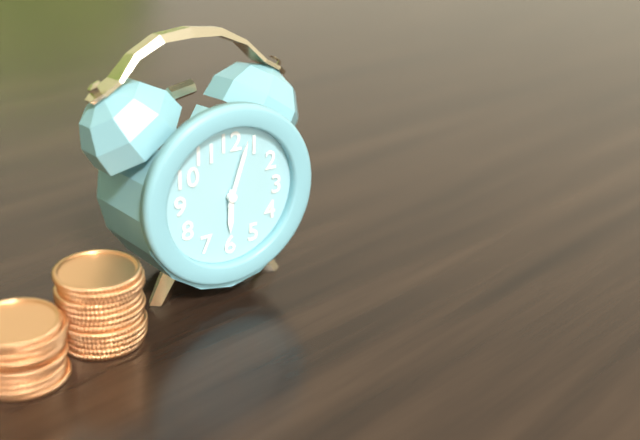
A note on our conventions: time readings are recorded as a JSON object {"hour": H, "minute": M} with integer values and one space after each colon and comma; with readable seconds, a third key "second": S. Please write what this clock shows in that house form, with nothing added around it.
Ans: {"hour": 6, "minute": 3}
